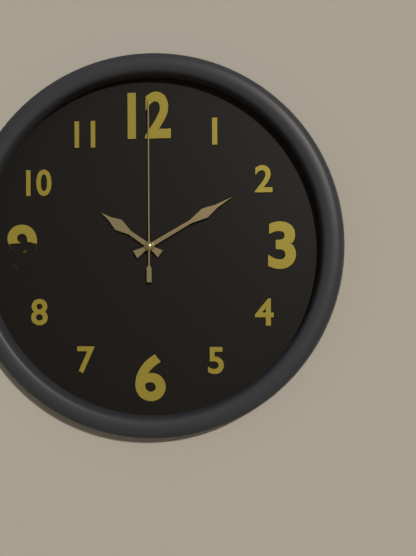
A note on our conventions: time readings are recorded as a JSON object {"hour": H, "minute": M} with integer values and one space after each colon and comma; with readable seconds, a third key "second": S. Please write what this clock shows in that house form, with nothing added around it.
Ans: {"hour": 10, "minute": 10, "second": 0}
